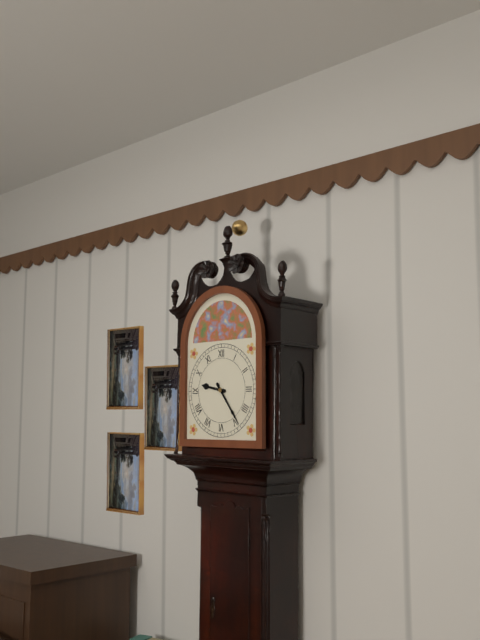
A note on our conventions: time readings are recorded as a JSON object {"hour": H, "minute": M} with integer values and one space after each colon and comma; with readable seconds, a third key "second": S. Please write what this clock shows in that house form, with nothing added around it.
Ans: {"hour": 9, "minute": 24}
